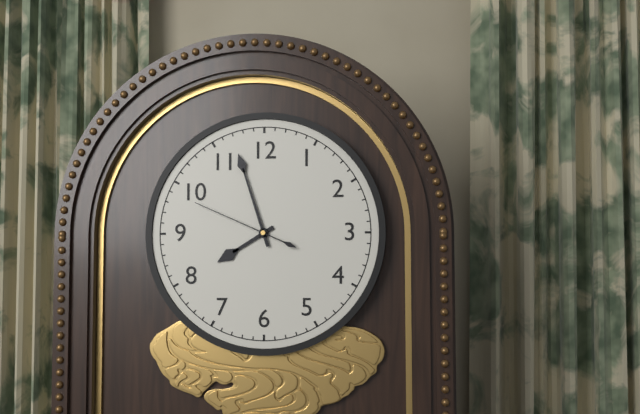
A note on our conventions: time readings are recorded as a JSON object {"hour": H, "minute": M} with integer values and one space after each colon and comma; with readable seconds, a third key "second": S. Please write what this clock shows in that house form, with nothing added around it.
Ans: {"hour": 7, "minute": 57, "second": 49}
